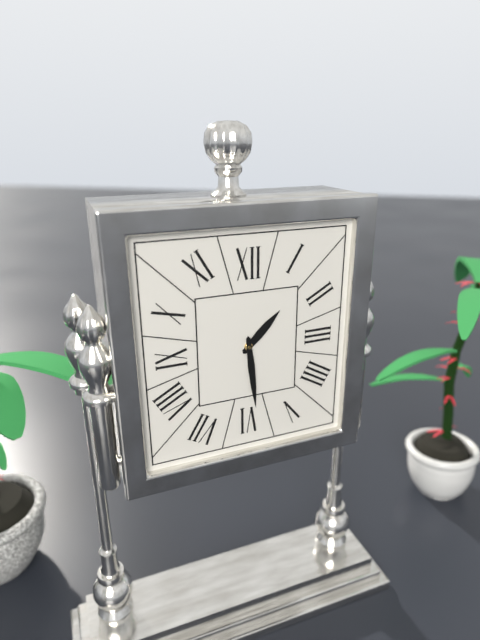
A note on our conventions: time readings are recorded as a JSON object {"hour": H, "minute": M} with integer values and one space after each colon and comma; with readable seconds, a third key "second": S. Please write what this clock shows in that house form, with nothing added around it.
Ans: {"hour": 1, "minute": 29}
